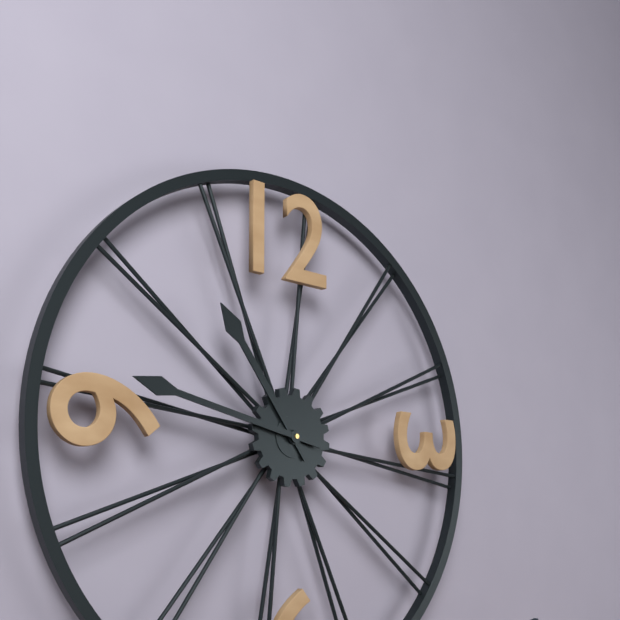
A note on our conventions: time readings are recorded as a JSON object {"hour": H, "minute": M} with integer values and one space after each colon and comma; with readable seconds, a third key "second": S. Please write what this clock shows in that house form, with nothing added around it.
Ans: {"hour": 10, "minute": 47}
